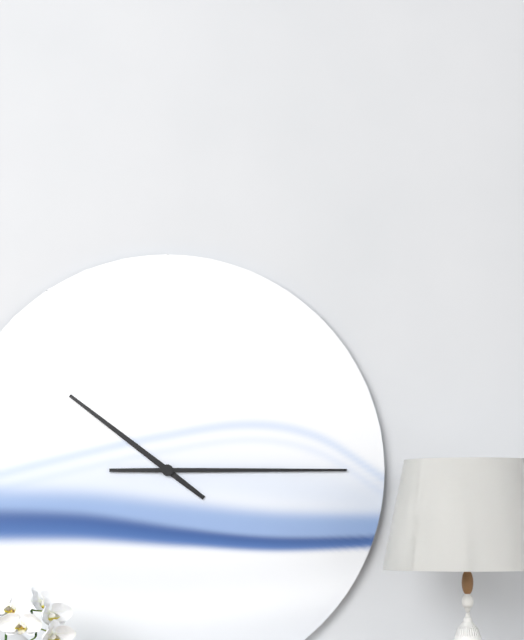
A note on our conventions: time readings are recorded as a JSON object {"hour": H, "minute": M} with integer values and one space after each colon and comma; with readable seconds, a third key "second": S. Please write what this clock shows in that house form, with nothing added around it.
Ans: {"hour": 10, "minute": 15}
